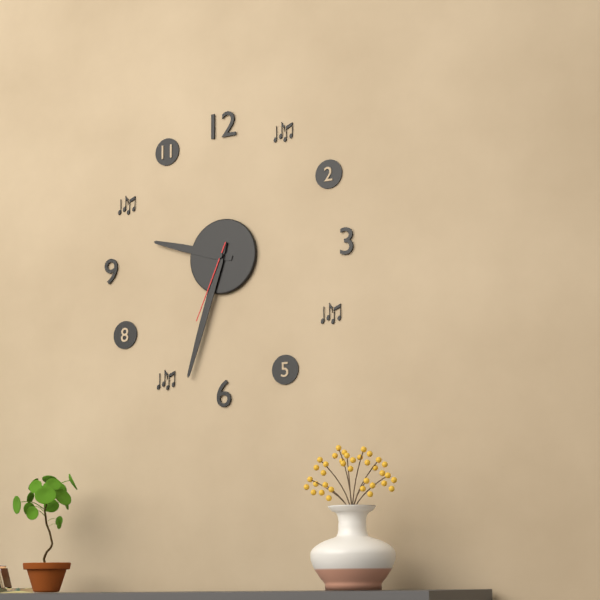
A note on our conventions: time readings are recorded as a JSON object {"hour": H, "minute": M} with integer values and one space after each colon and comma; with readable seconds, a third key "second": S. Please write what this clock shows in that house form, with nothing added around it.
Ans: {"hour": 9, "minute": 33, "second": 34}
